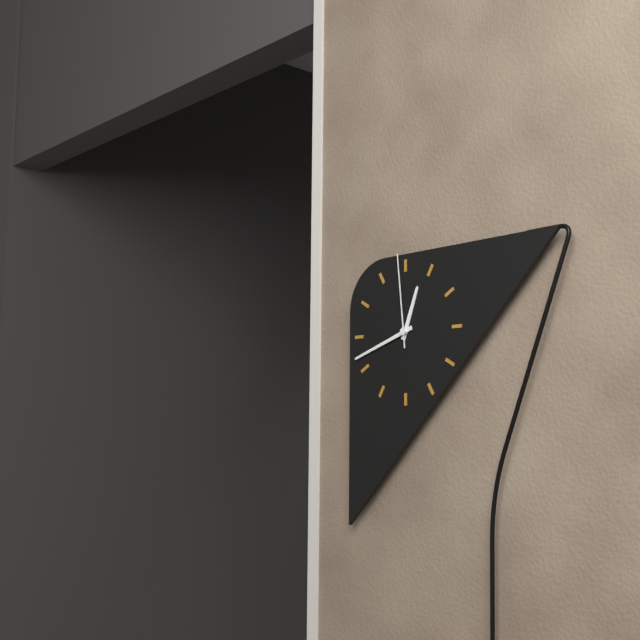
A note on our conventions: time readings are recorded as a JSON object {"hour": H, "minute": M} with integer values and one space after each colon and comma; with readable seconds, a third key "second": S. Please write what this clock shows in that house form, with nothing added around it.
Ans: {"hour": 12, "minute": 42, "second": 59}
